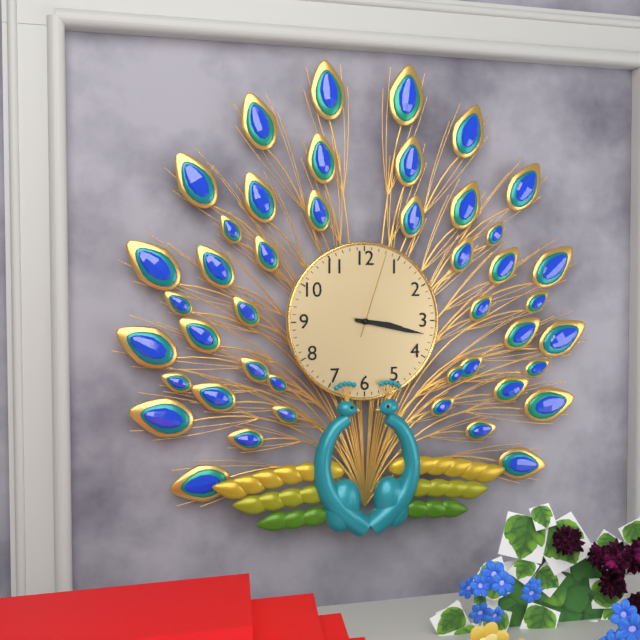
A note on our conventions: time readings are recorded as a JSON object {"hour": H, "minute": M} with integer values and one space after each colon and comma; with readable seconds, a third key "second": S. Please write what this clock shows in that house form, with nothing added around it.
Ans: {"hour": 3, "minute": 17, "second": 3}
